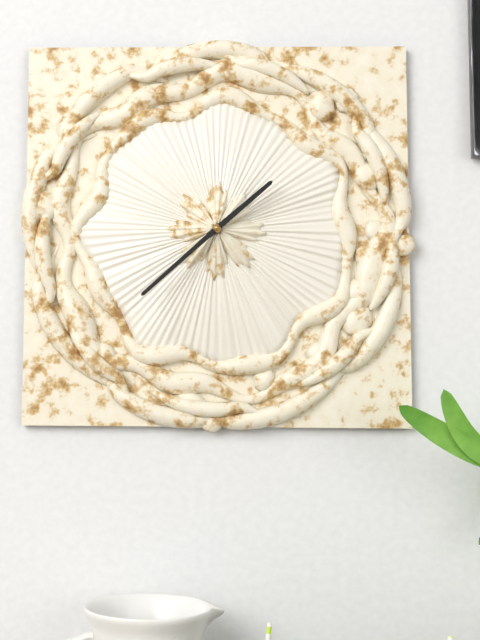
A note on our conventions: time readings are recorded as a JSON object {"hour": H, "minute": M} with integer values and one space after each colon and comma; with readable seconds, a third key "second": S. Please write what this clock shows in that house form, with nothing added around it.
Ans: {"hour": 1, "minute": 38}
